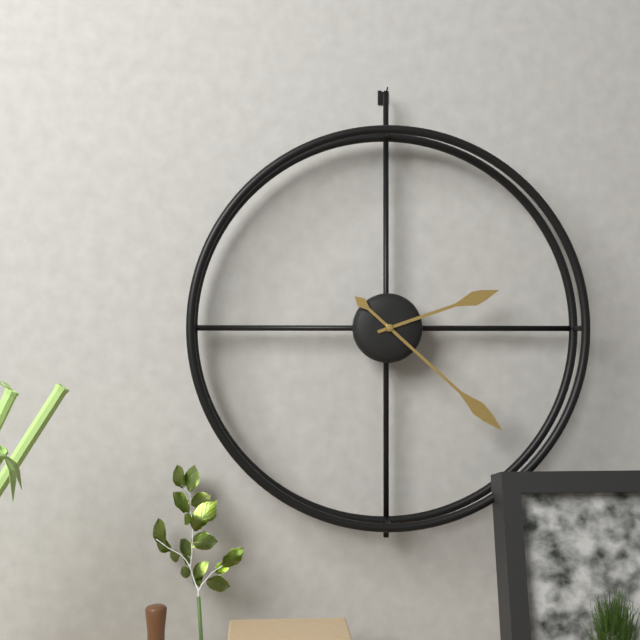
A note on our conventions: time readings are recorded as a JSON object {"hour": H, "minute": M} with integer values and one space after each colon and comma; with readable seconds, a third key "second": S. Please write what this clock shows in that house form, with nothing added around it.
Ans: {"hour": 2, "minute": 22}
